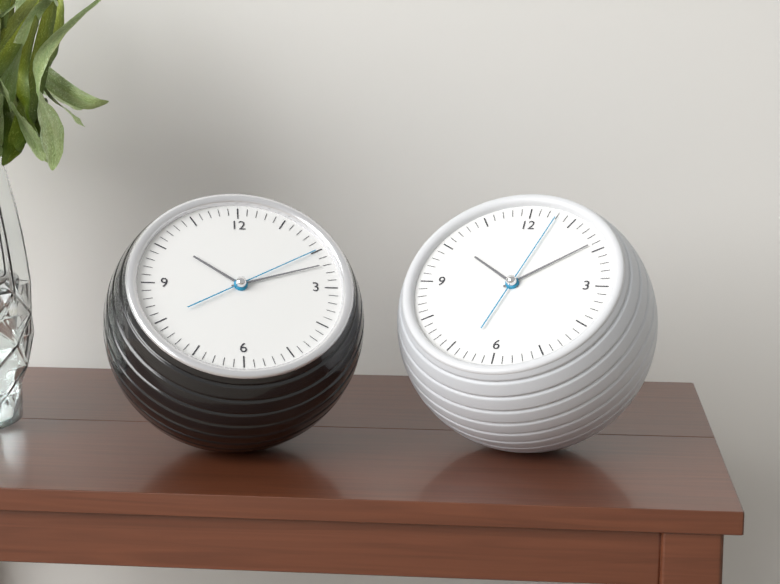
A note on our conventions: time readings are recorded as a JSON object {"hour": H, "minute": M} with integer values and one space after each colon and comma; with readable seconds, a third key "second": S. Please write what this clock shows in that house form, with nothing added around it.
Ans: {"hour": 10, "minute": 12, "second": 10}
